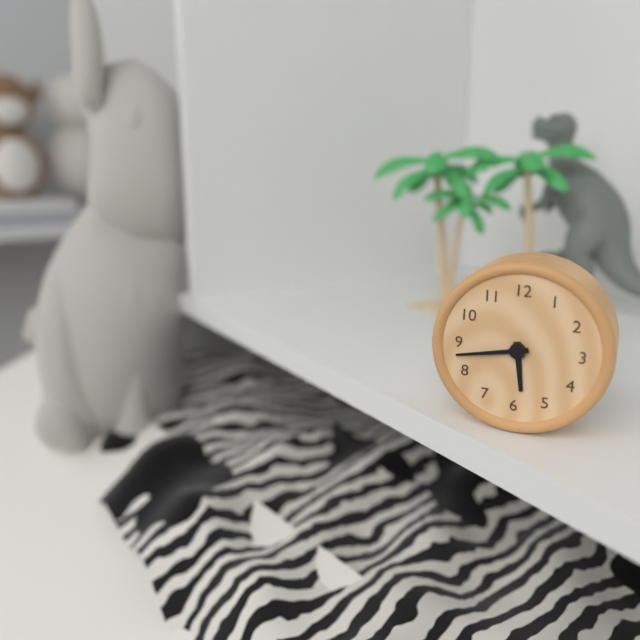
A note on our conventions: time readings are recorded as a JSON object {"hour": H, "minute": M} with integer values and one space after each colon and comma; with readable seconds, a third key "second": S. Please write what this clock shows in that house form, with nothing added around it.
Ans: {"hour": 5, "minute": 43}
